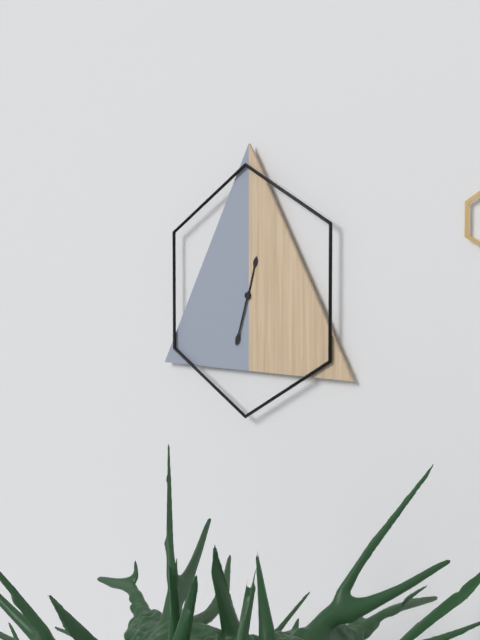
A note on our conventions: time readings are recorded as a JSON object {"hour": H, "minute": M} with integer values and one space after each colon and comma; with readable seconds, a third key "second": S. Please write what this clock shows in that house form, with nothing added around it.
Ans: {"hour": 12, "minute": 33}
